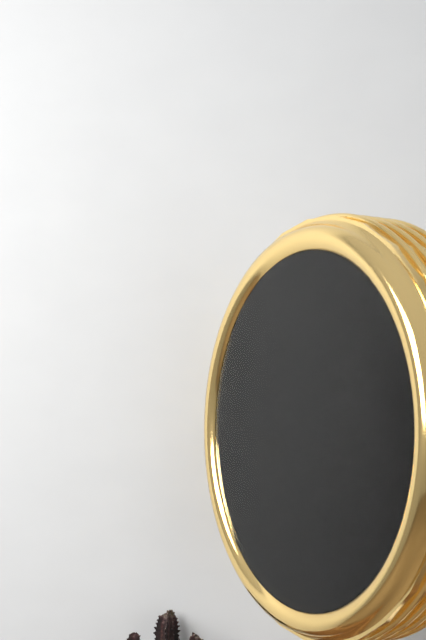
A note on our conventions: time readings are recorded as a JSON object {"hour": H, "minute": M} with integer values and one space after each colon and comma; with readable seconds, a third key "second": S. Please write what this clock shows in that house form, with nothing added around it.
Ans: {"hour": 5, "minute": 25, "second": 5}
